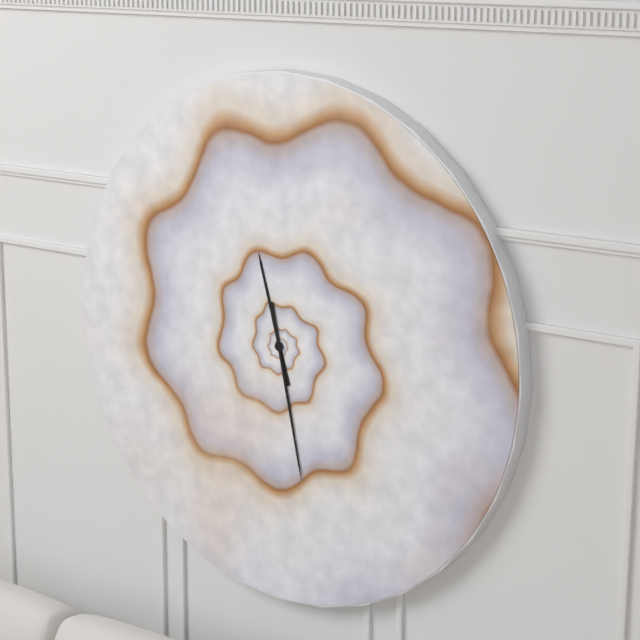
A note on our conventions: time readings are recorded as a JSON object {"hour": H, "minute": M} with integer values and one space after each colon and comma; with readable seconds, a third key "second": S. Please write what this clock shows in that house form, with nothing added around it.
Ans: {"hour": 11, "minute": 28}
